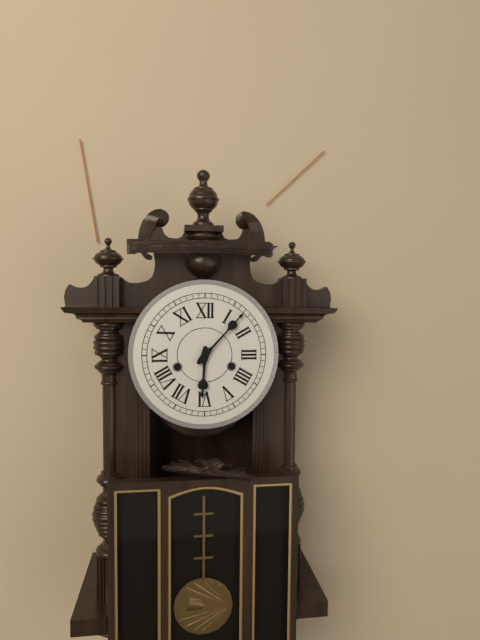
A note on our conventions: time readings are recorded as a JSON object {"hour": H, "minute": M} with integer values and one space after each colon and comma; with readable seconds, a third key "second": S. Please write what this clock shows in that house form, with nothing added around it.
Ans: {"hour": 6, "minute": 7}
